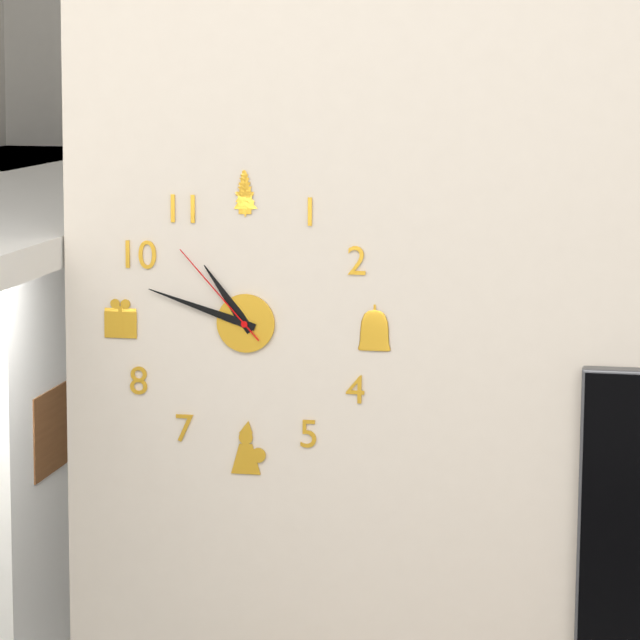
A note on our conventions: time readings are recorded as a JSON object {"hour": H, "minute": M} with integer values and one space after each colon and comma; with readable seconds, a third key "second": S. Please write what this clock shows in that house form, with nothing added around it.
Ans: {"hour": 10, "minute": 48, "second": 53}
